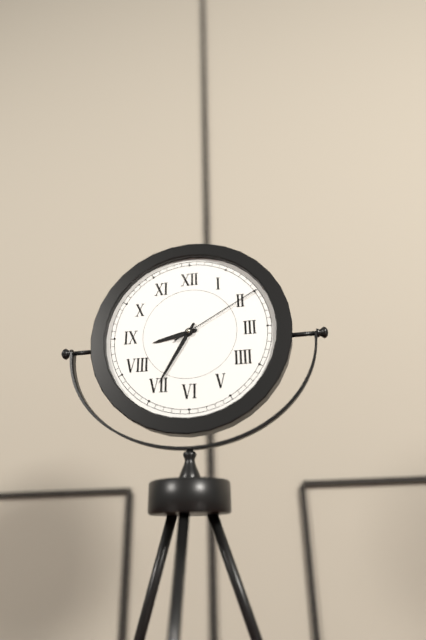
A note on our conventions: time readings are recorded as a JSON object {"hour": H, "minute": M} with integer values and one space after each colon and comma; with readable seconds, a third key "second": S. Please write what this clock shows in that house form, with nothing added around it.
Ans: {"hour": 8, "minute": 35, "second": 10}
